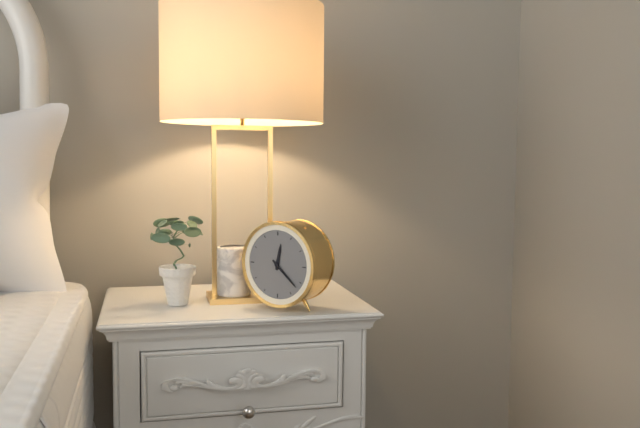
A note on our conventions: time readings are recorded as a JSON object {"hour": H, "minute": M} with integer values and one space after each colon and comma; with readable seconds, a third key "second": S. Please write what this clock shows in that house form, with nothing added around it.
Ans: {"hour": 12, "minute": 22}
